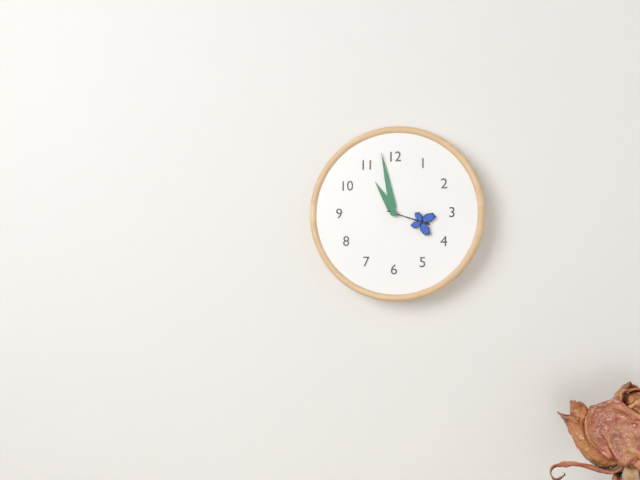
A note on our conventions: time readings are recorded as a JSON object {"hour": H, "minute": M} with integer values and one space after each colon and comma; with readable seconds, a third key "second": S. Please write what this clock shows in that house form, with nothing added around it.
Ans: {"hour": 10, "minute": 58, "second": 18}
